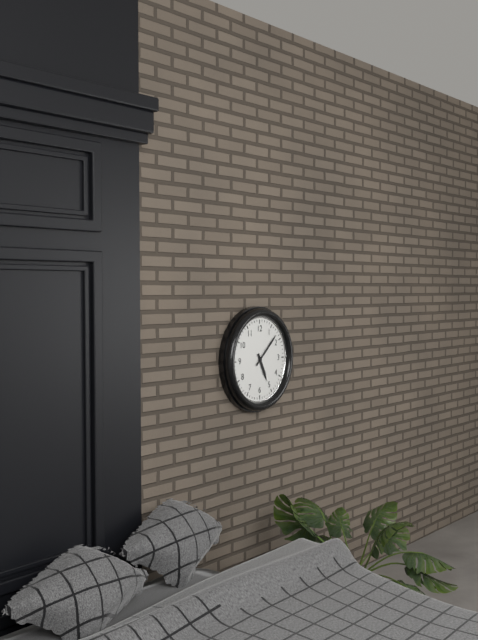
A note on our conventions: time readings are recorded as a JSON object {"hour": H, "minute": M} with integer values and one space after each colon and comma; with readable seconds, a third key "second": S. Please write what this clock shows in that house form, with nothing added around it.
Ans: {"hour": 5, "minute": 8}
